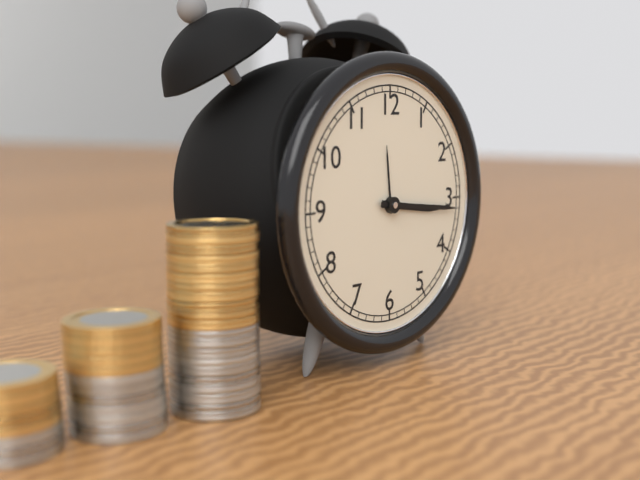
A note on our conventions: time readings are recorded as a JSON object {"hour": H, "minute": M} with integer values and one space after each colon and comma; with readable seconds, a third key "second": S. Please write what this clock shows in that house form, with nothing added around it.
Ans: {"hour": 3, "minute": 16}
